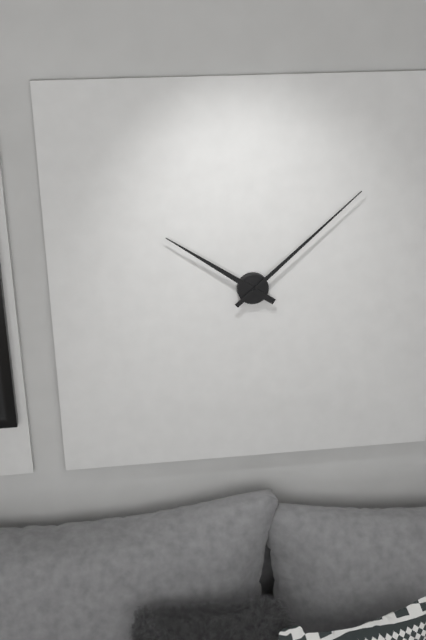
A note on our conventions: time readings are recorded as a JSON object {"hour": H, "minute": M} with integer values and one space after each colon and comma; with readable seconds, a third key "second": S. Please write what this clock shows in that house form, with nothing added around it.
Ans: {"hour": 10, "minute": 8}
